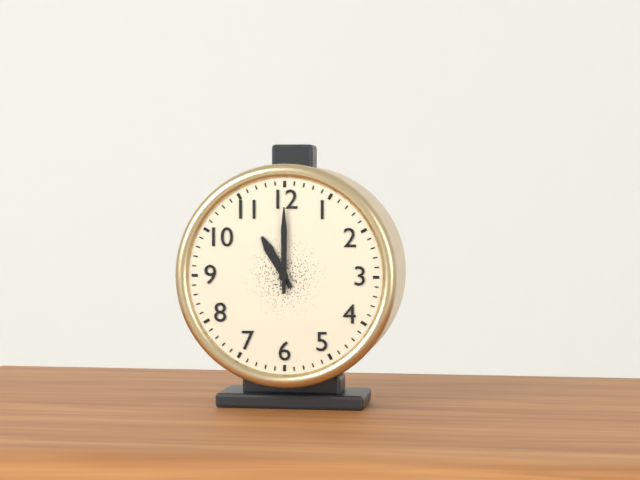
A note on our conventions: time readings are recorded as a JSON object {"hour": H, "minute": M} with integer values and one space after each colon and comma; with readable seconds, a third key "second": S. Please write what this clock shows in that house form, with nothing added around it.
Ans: {"hour": 11, "minute": 0}
